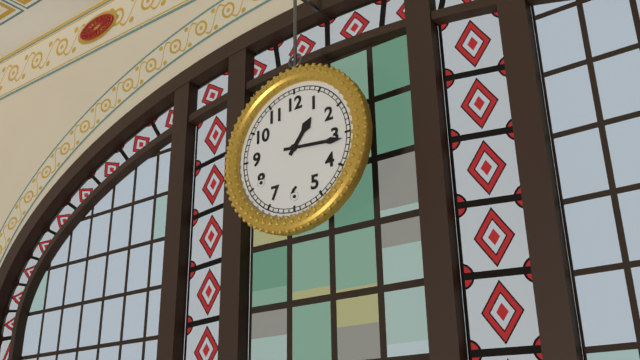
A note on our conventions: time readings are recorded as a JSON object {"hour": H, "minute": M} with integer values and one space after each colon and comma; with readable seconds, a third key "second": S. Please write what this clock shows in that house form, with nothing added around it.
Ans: {"hour": 1, "minute": 16}
